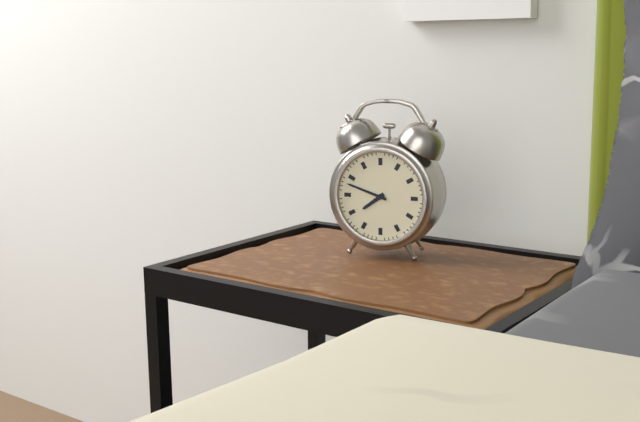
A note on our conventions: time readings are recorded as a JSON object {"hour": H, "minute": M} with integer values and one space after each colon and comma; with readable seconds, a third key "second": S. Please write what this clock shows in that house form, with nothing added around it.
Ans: {"hour": 7, "minute": 48}
